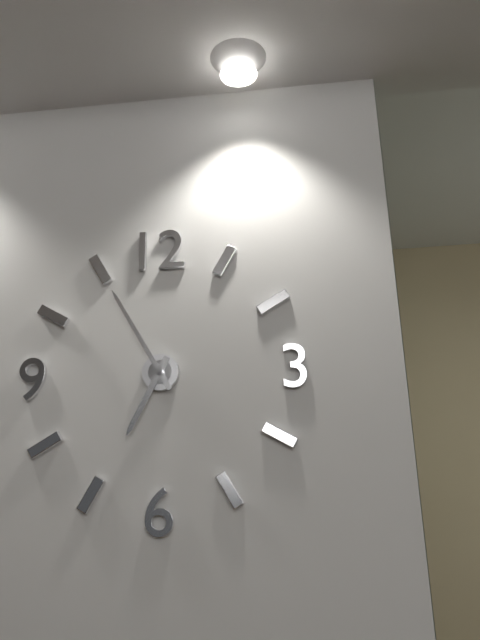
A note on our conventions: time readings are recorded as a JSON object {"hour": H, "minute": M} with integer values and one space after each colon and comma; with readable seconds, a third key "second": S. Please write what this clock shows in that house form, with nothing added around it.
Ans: {"hour": 6, "minute": 55}
